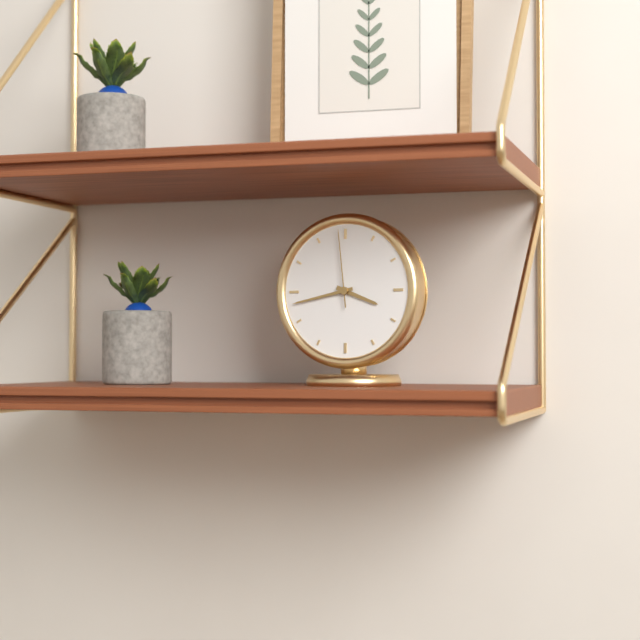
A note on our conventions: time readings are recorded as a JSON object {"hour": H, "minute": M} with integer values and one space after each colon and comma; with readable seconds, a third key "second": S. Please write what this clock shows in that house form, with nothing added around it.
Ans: {"hour": 3, "minute": 43, "second": 59}
